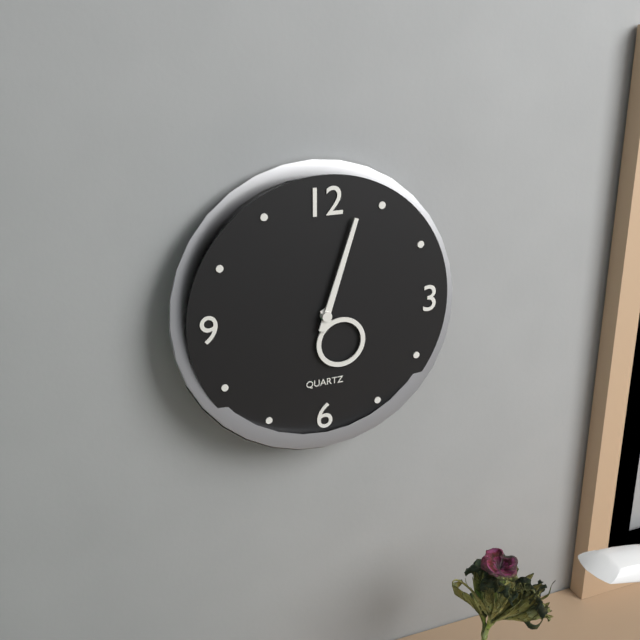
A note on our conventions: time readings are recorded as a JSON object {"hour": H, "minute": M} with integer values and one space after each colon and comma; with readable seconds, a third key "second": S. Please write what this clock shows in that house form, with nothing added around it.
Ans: {"hour": 5, "minute": 3}
